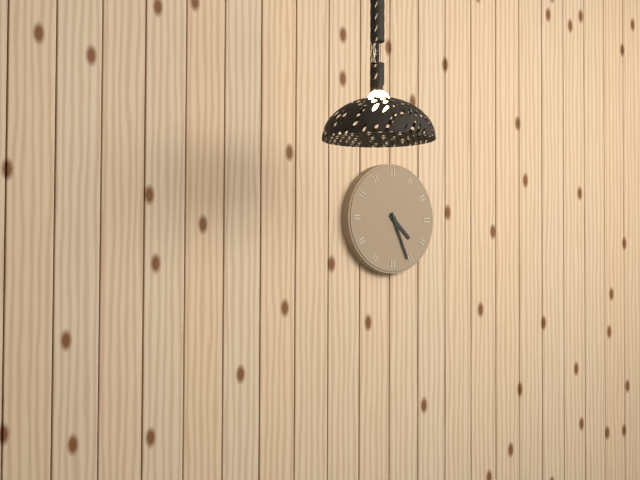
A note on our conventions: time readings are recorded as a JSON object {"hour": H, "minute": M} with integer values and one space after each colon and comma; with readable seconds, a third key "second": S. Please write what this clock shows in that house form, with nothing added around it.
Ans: {"hour": 4, "minute": 26}
